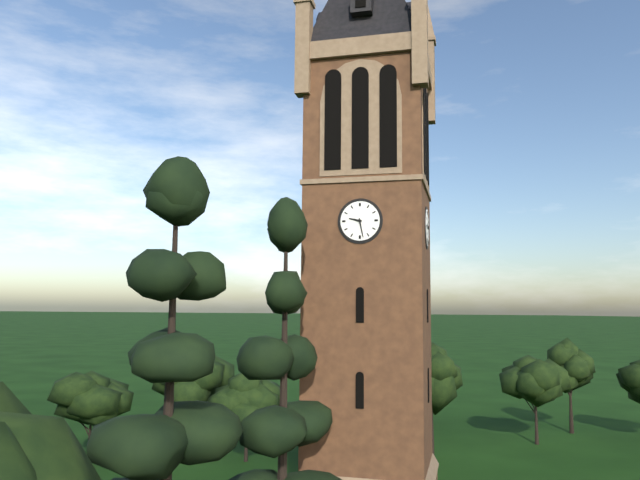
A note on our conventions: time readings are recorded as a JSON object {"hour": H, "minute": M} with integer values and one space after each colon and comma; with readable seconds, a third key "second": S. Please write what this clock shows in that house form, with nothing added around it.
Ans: {"hour": 9, "minute": 28}
